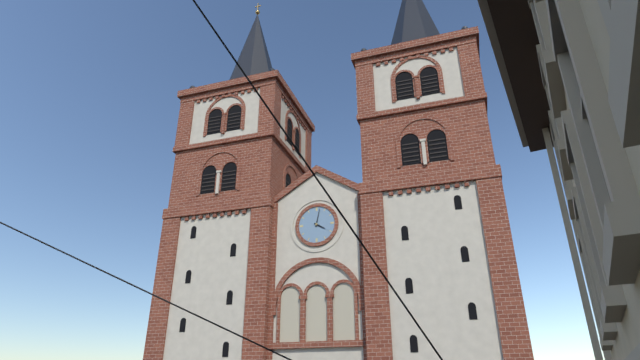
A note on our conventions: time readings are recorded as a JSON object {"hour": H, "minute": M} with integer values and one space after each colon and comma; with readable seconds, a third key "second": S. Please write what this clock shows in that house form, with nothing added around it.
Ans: {"hour": 4, "minute": 2}
